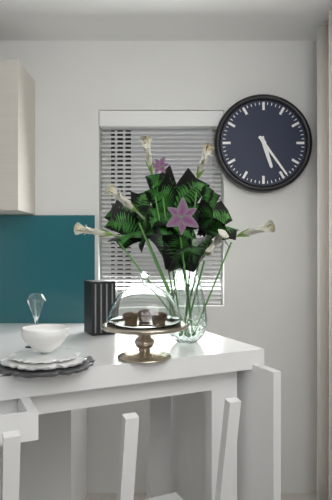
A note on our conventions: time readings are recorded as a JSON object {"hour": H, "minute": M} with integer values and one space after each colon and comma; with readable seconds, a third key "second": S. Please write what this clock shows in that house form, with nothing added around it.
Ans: {"hour": 5, "minute": 24}
